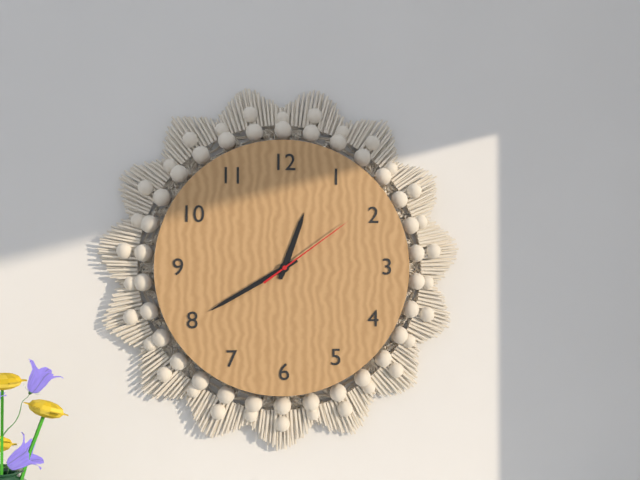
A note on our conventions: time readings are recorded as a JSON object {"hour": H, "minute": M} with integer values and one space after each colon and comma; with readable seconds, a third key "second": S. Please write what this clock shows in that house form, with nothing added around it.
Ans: {"hour": 12, "minute": 40, "second": 9}
